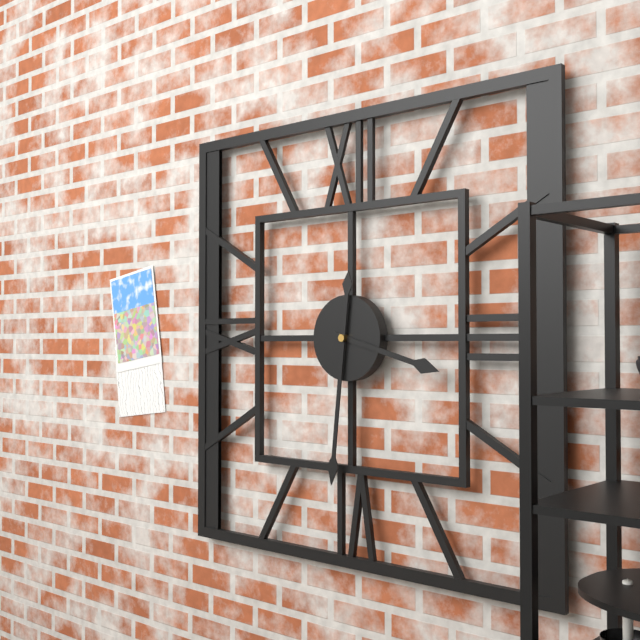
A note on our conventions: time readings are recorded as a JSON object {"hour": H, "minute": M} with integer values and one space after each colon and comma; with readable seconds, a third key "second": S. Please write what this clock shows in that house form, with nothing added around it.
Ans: {"hour": 3, "minute": 31}
